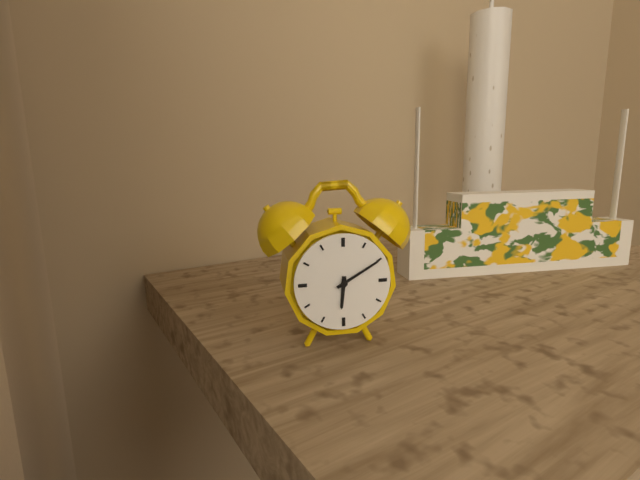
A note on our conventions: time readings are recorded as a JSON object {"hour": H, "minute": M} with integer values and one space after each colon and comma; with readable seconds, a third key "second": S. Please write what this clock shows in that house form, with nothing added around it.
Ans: {"hour": 6, "minute": 10}
